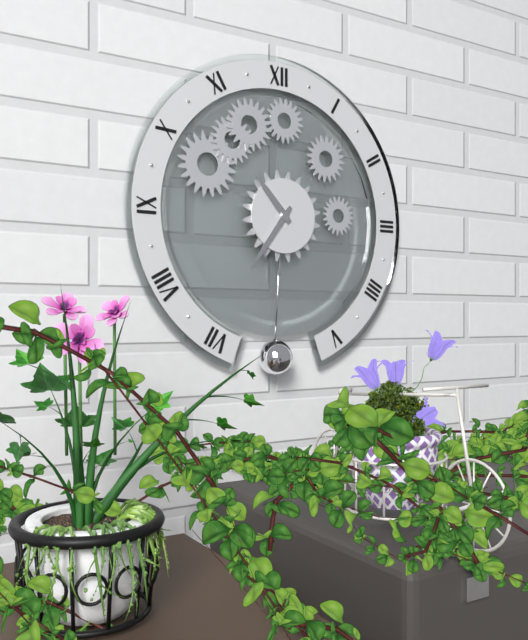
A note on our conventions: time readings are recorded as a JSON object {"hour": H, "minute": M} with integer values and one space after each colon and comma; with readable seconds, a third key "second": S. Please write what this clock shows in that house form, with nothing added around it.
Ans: {"hour": 10, "minute": 36}
